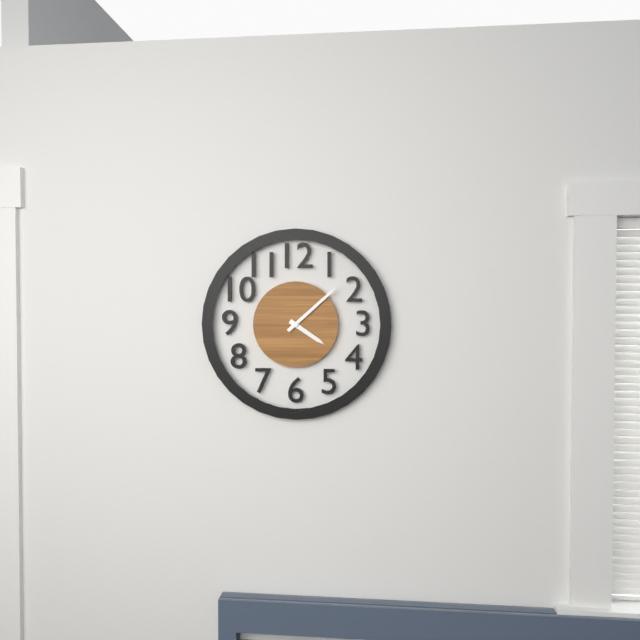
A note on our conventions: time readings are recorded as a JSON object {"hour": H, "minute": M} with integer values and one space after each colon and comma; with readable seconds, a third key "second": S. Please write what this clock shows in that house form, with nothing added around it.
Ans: {"hour": 4, "minute": 8}
